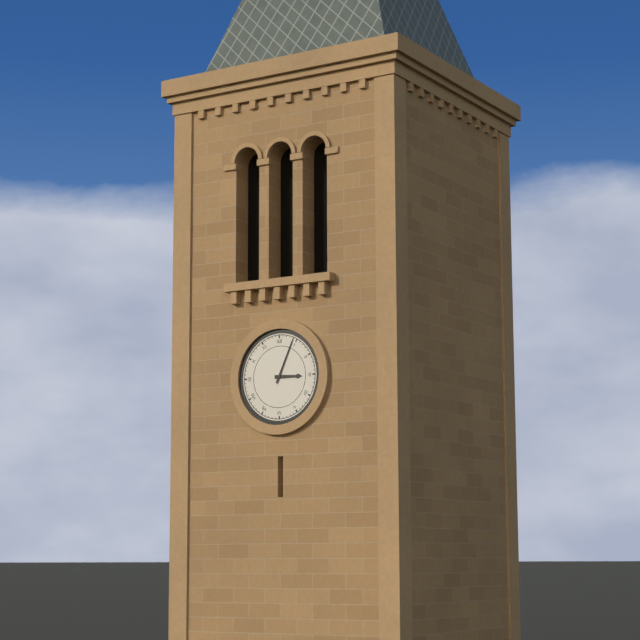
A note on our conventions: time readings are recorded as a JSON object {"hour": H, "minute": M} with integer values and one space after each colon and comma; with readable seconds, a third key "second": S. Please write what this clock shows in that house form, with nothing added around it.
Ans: {"hour": 3, "minute": 4}
